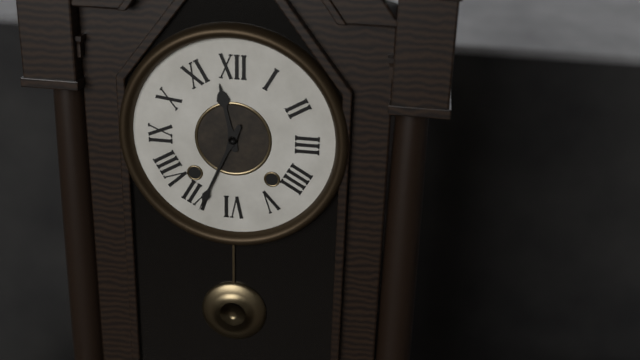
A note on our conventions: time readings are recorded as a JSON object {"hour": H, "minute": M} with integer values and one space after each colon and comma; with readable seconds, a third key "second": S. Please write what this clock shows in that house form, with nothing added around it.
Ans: {"hour": 11, "minute": 34}
